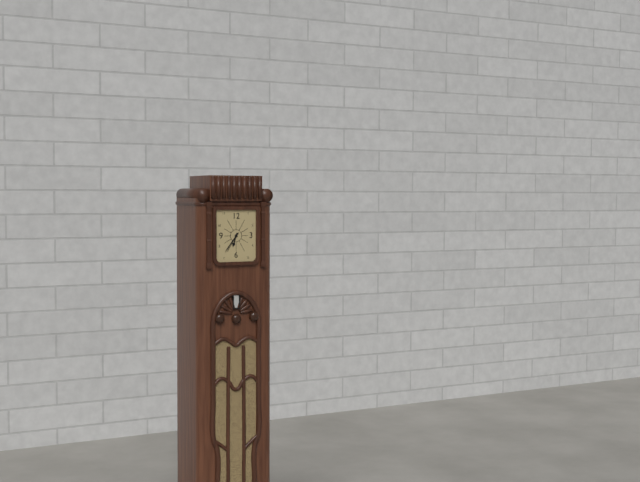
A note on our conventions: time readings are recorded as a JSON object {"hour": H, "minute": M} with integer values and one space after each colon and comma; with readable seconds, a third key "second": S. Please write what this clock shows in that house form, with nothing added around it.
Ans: {"hour": 6, "minute": 36}
